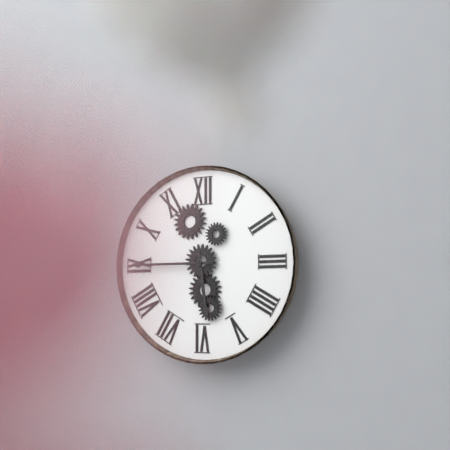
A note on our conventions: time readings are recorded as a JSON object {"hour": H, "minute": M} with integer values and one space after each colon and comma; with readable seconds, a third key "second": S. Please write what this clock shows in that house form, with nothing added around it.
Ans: {"hour": 5, "minute": 45}
